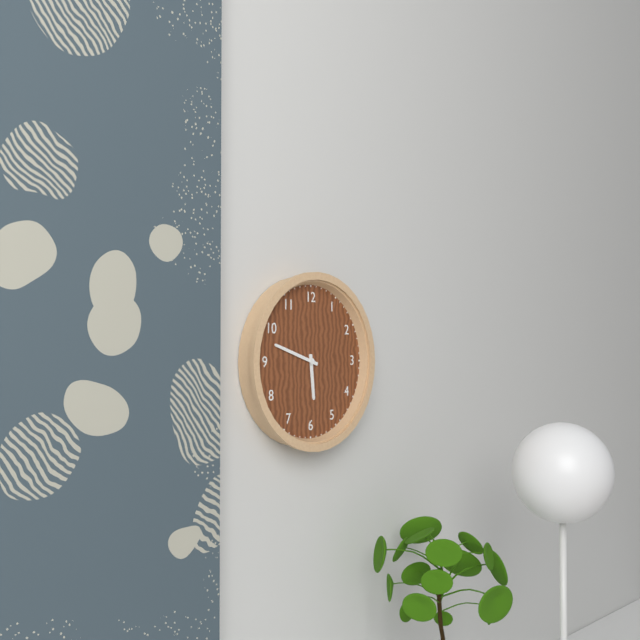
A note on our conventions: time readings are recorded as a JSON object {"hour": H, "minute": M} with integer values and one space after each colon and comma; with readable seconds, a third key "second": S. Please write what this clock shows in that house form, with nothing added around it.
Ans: {"hour": 5, "minute": 48}
